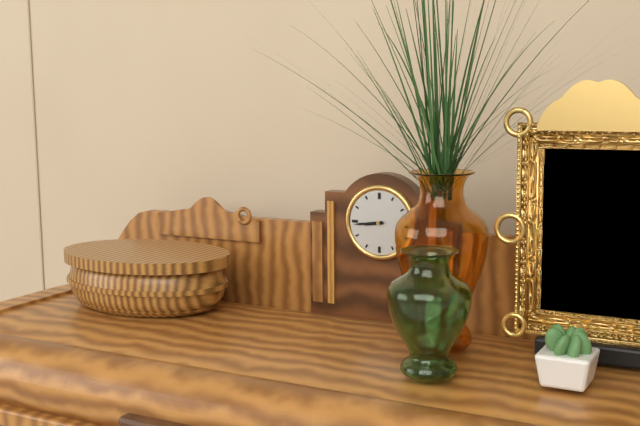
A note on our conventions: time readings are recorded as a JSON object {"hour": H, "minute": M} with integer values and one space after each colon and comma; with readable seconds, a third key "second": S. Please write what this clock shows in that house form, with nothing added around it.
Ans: {"hour": 8, "minute": 44}
